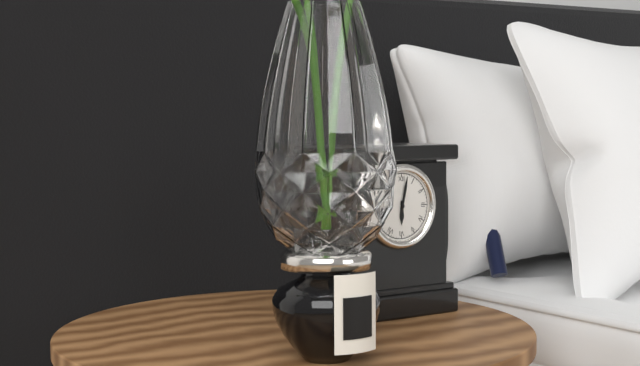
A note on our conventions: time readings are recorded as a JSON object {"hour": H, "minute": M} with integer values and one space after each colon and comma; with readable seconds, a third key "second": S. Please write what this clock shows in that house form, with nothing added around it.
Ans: {"hour": 6, "minute": 2}
